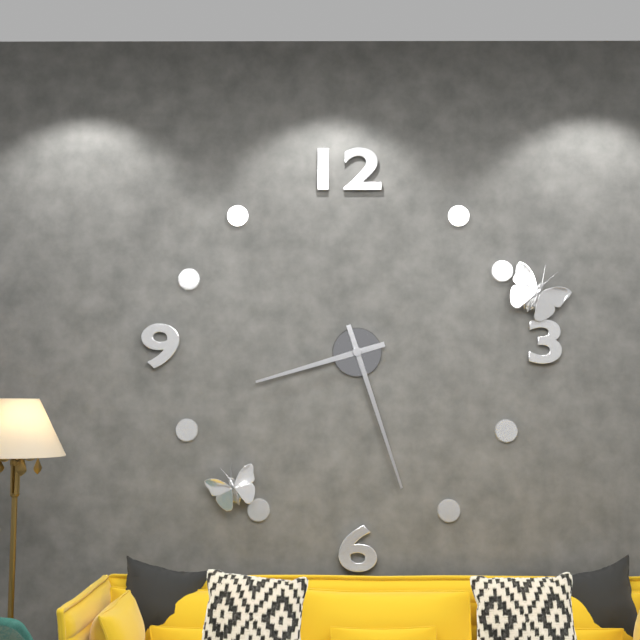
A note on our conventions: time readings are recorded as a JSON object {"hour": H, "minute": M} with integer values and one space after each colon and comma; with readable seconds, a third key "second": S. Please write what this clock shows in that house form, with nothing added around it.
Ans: {"hour": 8, "minute": 27}
